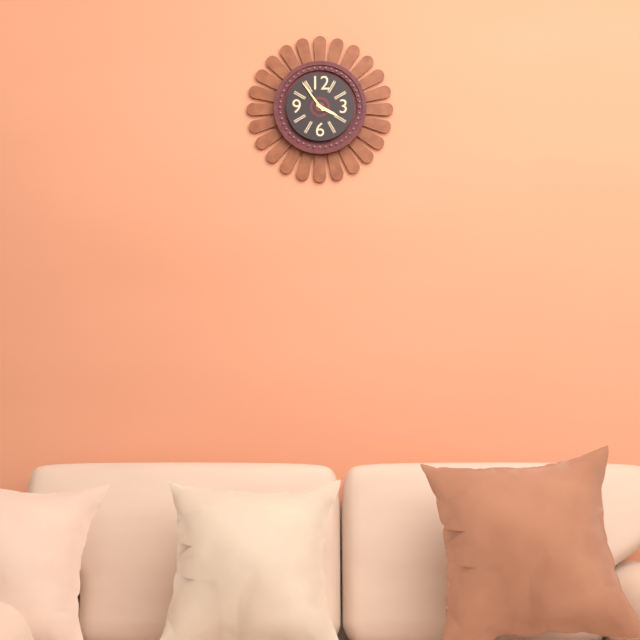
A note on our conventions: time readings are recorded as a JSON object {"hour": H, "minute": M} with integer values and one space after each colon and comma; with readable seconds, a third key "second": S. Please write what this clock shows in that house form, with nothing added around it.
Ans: {"hour": 3, "minute": 54}
